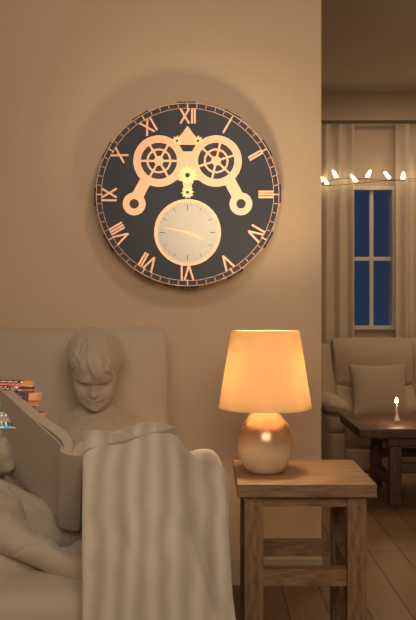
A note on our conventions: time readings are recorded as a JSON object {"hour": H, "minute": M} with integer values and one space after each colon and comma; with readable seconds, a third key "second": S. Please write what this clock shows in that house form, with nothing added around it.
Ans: {"hour": 3, "minute": 47}
